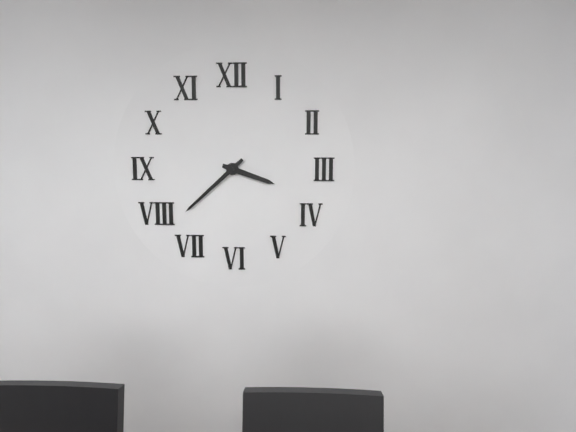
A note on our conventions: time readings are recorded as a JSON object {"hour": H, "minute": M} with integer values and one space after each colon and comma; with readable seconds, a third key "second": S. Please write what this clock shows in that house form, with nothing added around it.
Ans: {"hour": 3, "minute": 38}
